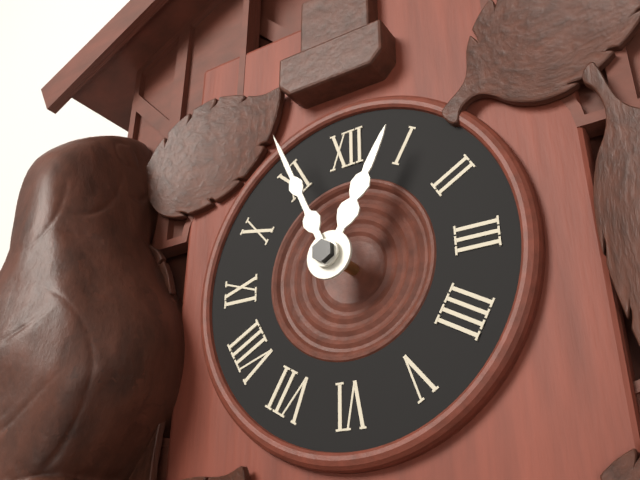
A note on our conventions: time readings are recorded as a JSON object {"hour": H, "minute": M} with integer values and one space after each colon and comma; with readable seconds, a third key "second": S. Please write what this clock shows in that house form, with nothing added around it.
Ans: {"hour": 12, "minute": 56}
